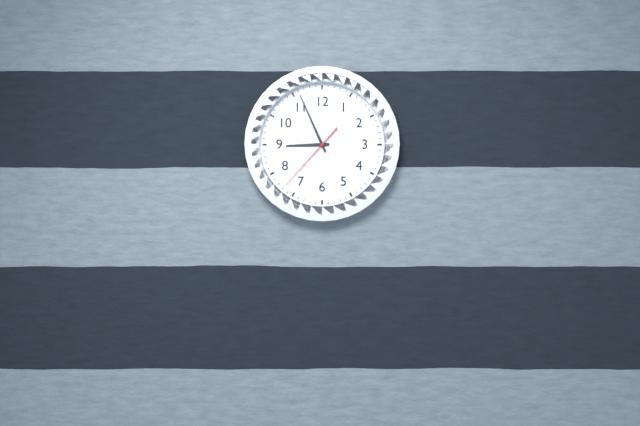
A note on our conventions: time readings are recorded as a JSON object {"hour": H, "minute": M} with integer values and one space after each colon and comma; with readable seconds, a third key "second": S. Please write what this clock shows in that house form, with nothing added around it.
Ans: {"hour": 8, "minute": 56, "second": 37}
